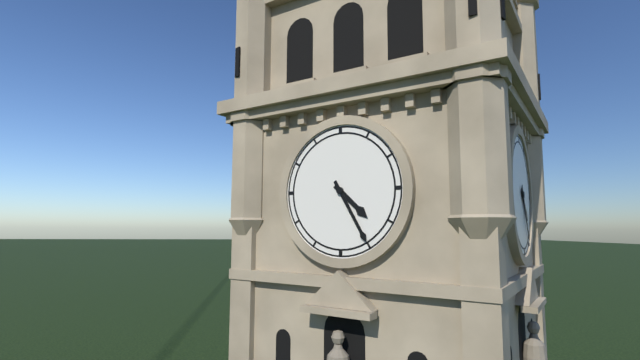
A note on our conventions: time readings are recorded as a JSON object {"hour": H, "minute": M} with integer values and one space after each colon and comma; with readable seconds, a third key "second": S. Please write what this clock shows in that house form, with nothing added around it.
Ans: {"hour": 4, "minute": 25}
